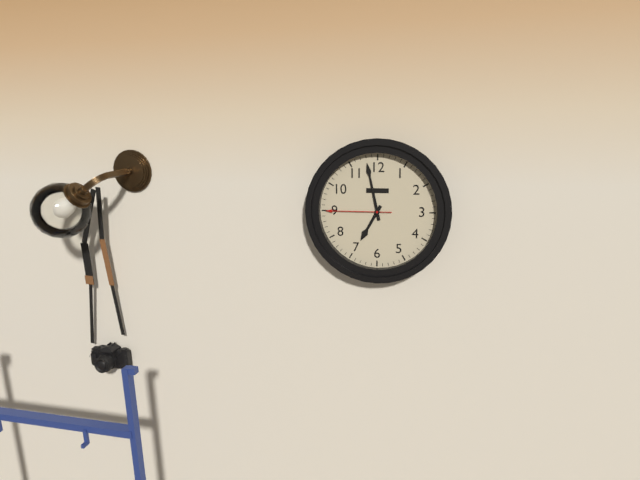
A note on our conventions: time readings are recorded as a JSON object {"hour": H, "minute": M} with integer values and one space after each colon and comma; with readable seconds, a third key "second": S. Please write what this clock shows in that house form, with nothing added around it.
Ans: {"hour": 6, "minute": 58, "second": 45}
